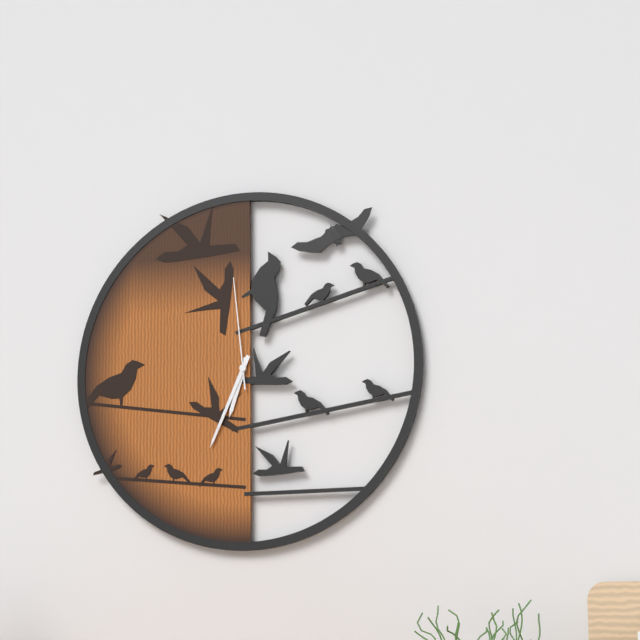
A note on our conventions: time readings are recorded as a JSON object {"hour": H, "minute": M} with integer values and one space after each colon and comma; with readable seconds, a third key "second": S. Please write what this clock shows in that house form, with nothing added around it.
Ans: {"hour": 6, "minute": 34, "second": 59}
